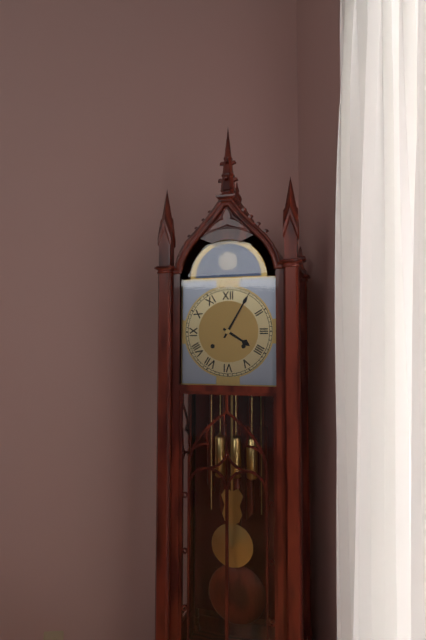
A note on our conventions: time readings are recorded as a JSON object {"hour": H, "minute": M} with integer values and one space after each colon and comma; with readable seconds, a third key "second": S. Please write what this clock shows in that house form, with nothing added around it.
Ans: {"hour": 4, "minute": 5}
